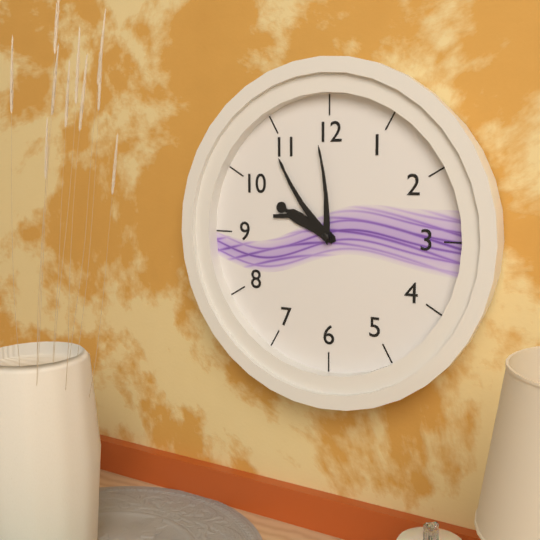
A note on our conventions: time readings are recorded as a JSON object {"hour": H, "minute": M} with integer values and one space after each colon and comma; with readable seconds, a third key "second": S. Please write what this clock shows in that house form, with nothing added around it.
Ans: {"hour": 9, "minute": 54, "second": 59}
